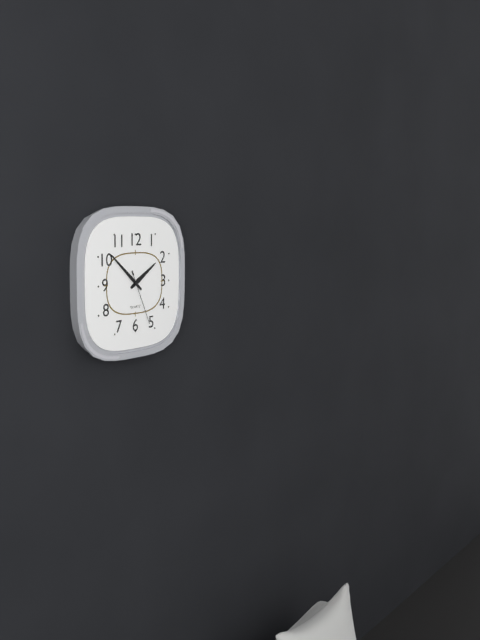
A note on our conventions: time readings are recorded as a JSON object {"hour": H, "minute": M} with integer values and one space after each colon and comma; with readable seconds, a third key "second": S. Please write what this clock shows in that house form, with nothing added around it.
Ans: {"hour": 1, "minute": 52, "second": 26}
